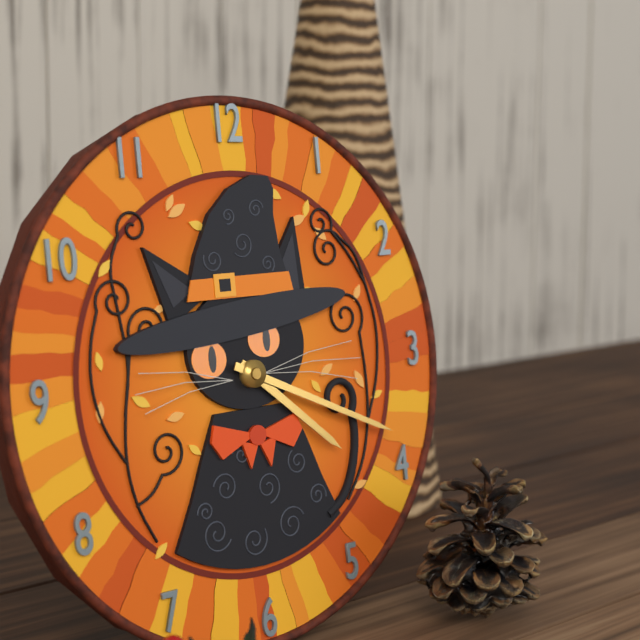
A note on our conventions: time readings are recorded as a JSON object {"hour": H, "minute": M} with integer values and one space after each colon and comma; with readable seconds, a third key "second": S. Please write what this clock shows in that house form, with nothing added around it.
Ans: {"hour": 4, "minute": 19}
